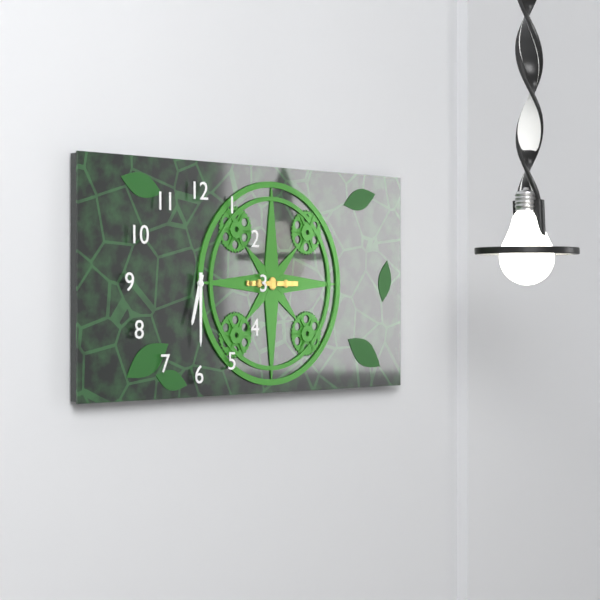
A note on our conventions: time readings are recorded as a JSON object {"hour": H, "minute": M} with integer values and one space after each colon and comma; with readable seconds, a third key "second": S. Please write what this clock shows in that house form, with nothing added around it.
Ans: {"hour": 6, "minute": 30}
